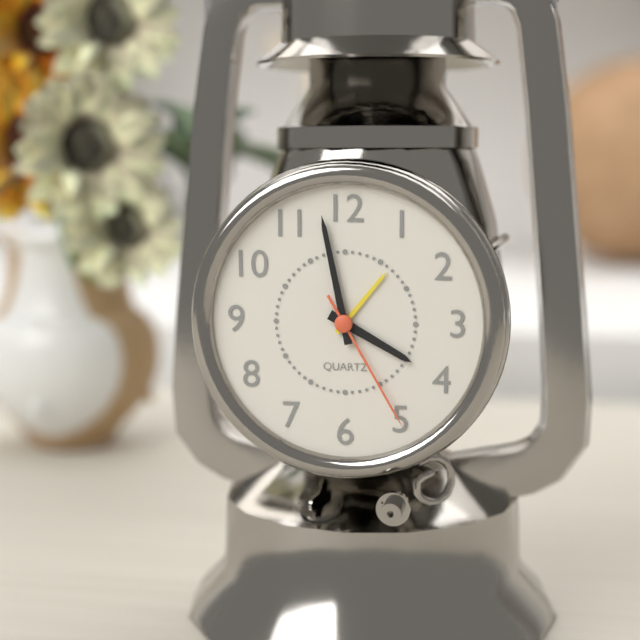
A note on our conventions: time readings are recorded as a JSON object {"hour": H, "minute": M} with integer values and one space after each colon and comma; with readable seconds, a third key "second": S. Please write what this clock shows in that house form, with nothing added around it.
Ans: {"hour": 3, "minute": 58, "second": 25}
